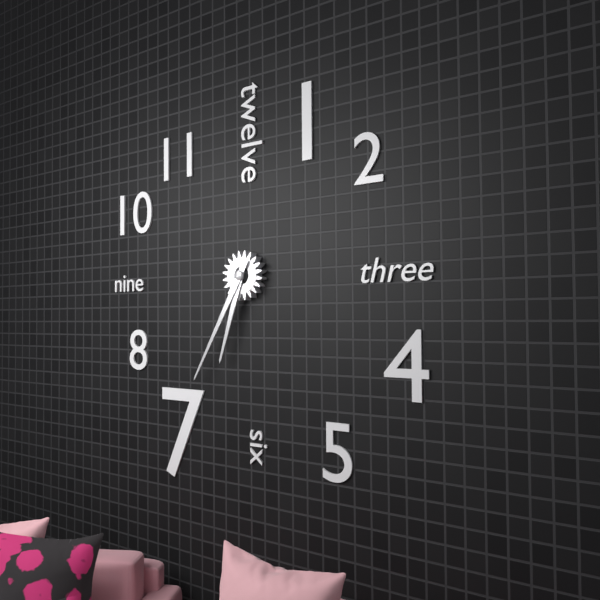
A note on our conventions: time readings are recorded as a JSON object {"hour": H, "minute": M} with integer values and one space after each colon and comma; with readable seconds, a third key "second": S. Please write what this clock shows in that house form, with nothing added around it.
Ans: {"hour": 6, "minute": 35}
